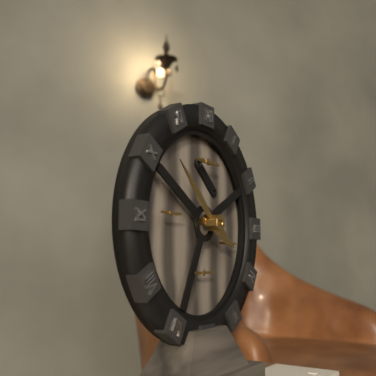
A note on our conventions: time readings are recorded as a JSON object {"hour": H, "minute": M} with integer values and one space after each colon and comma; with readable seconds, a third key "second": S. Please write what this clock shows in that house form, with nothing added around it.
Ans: {"hour": 3, "minute": 52}
